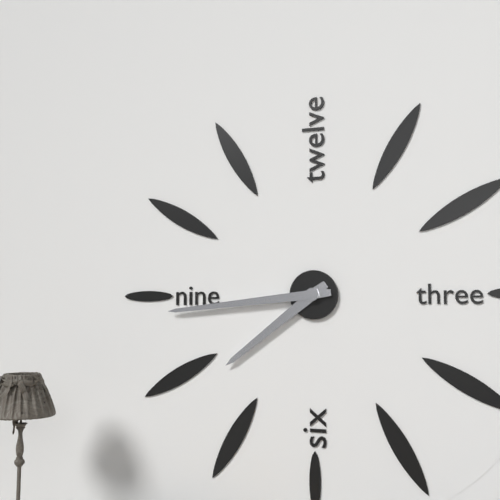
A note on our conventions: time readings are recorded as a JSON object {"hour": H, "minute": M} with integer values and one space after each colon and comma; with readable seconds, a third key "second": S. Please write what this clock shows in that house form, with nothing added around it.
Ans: {"hour": 7, "minute": 44}
